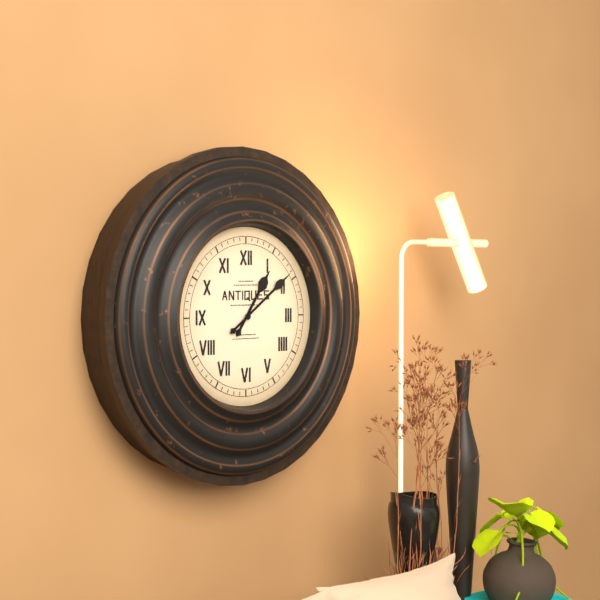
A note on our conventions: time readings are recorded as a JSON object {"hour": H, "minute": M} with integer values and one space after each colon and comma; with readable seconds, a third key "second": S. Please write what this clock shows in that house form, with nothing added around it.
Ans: {"hour": 1, "minute": 9}
